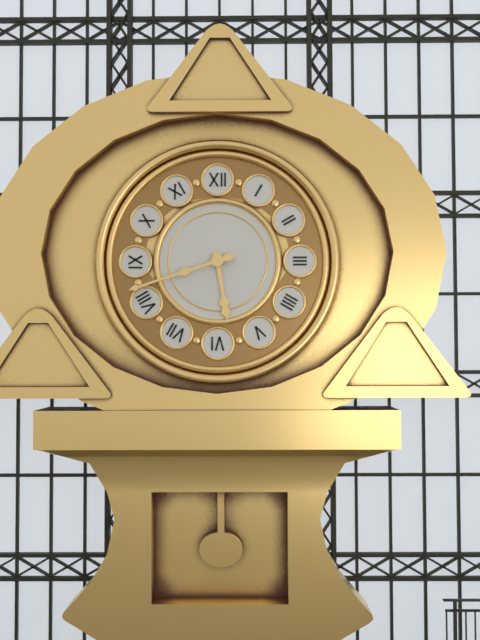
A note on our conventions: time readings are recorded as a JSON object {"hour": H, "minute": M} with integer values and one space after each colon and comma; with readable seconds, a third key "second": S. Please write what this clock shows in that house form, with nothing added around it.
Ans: {"hour": 5, "minute": 42}
